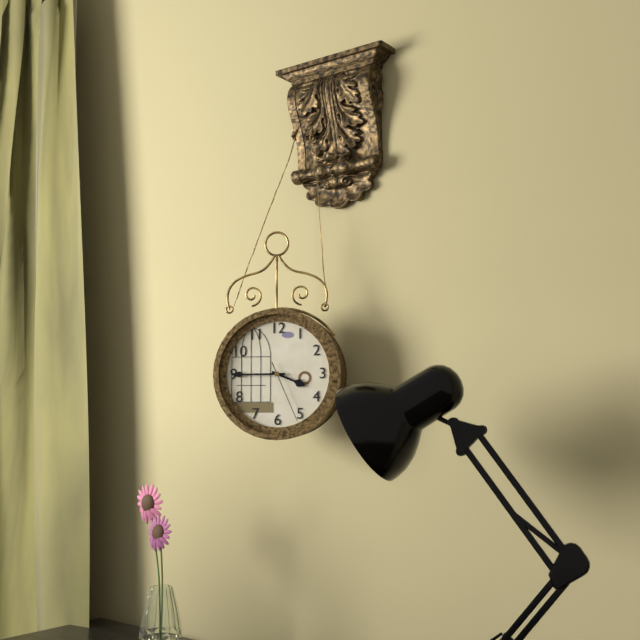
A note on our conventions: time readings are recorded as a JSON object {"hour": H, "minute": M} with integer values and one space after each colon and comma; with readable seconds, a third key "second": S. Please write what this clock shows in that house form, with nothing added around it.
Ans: {"hour": 3, "minute": 45, "second": 26}
